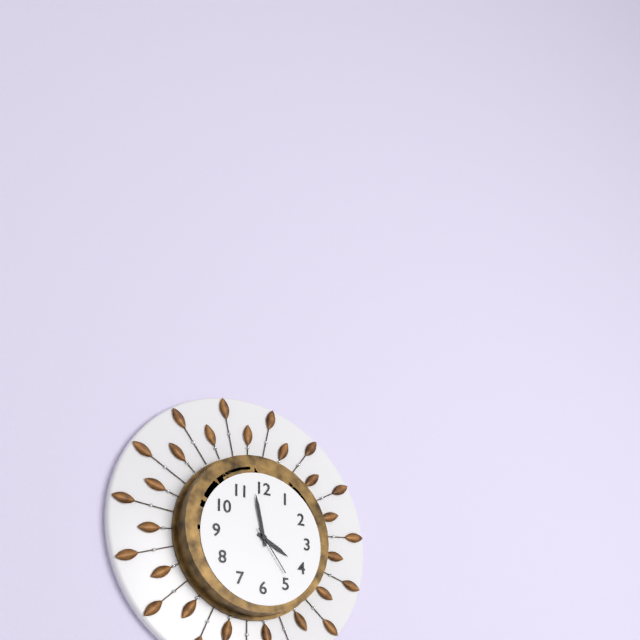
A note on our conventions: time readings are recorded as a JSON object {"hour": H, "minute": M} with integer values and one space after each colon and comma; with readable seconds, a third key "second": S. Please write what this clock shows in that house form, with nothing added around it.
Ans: {"hour": 3, "minute": 58, "second": 24}
